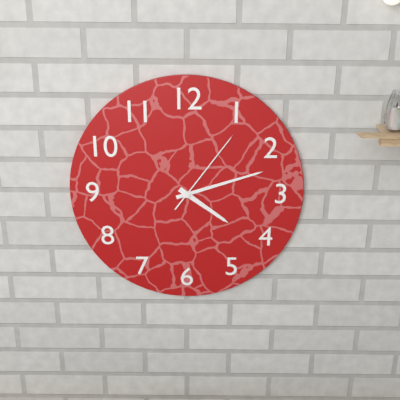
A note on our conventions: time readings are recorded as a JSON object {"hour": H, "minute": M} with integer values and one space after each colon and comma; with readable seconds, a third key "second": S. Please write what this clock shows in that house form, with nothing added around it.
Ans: {"hour": 4, "minute": 12, "second": 6}
